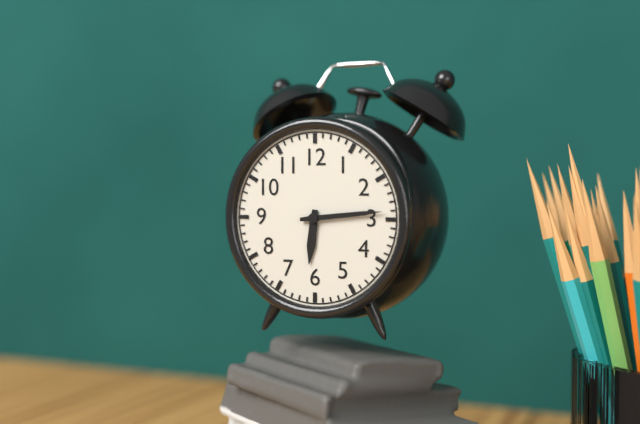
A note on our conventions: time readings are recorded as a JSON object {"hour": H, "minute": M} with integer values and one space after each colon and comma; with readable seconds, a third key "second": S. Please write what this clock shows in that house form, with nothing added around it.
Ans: {"hour": 6, "minute": 14}
